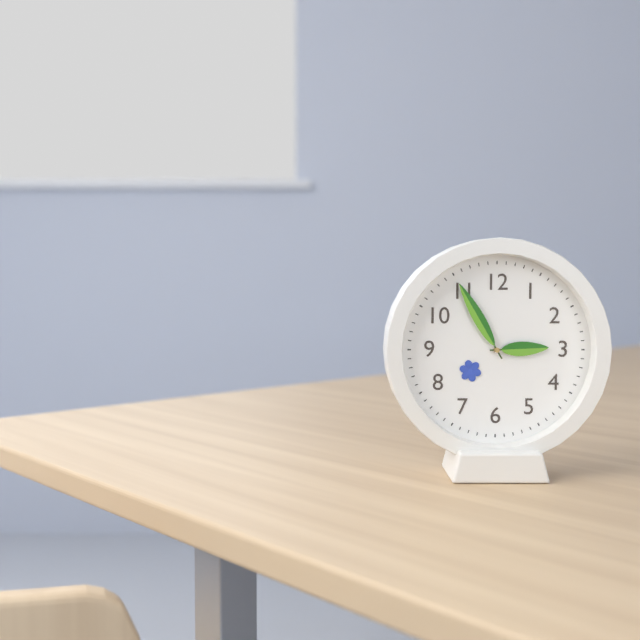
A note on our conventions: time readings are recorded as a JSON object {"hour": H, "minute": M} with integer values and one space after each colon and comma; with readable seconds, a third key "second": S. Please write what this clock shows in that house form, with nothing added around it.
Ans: {"hour": 2, "minute": 55}
